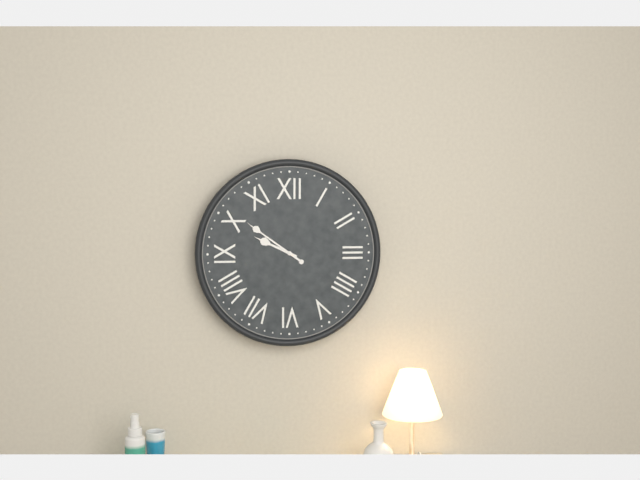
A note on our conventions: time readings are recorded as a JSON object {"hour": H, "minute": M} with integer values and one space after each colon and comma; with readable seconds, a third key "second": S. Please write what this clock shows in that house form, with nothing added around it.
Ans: {"hour": 9, "minute": 51}
